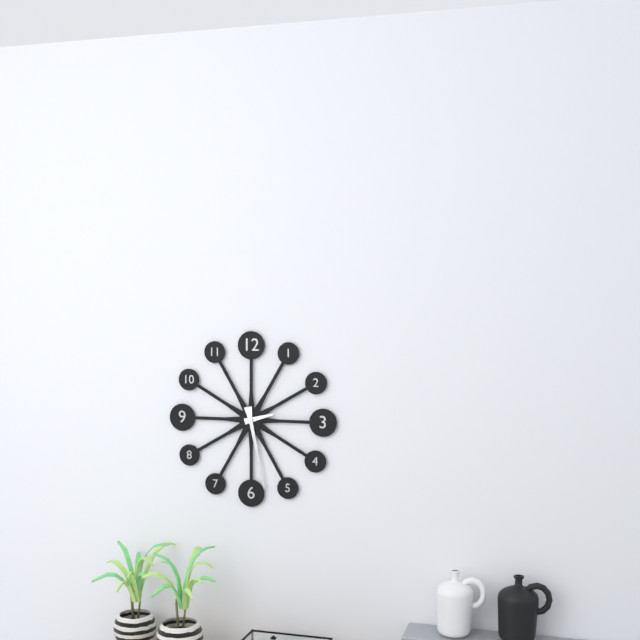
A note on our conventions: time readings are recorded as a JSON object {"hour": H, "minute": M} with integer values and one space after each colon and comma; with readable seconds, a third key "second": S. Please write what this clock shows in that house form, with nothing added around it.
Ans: {"hour": 2, "minute": 28}
